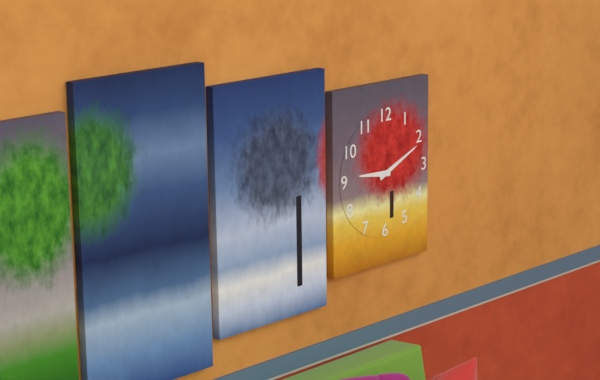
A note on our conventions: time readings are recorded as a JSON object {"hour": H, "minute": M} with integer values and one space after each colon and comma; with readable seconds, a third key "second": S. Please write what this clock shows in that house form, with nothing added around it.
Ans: {"hour": 9, "minute": 11}
